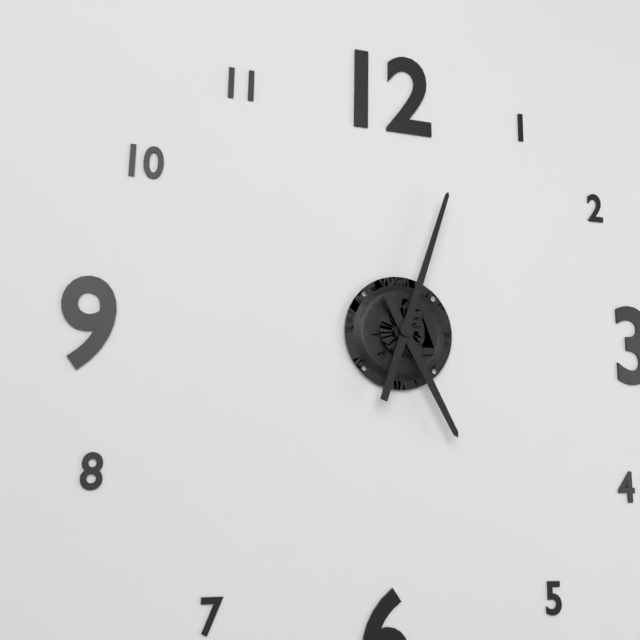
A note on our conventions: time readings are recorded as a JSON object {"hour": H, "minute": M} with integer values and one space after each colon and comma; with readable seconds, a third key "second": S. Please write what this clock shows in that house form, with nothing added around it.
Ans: {"hour": 5, "minute": 3}
